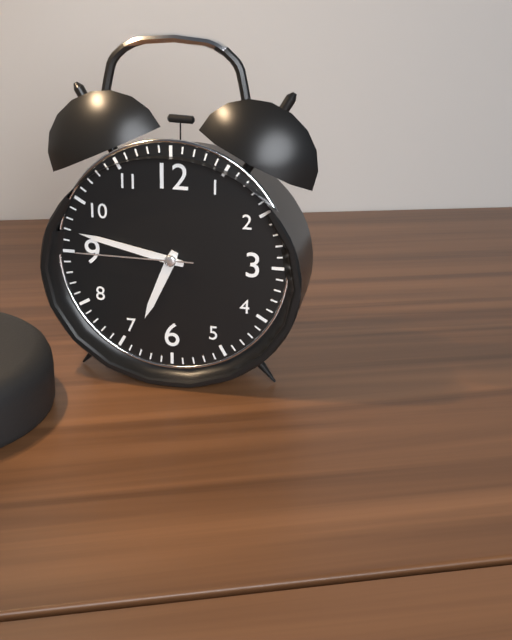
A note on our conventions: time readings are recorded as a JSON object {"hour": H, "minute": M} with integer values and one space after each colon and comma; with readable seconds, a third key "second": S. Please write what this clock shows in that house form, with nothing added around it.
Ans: {"hour": 6, "minute": 47, "second": 45}
